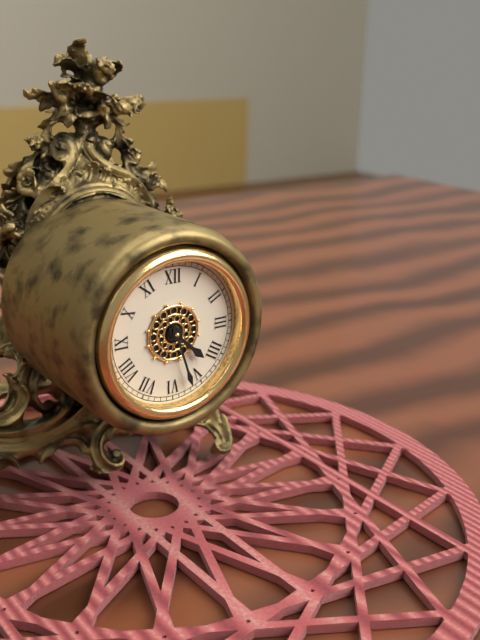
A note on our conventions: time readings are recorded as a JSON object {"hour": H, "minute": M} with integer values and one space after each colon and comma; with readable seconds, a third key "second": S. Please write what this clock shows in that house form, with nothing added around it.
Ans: {"hour": 4, "minute": 27}
